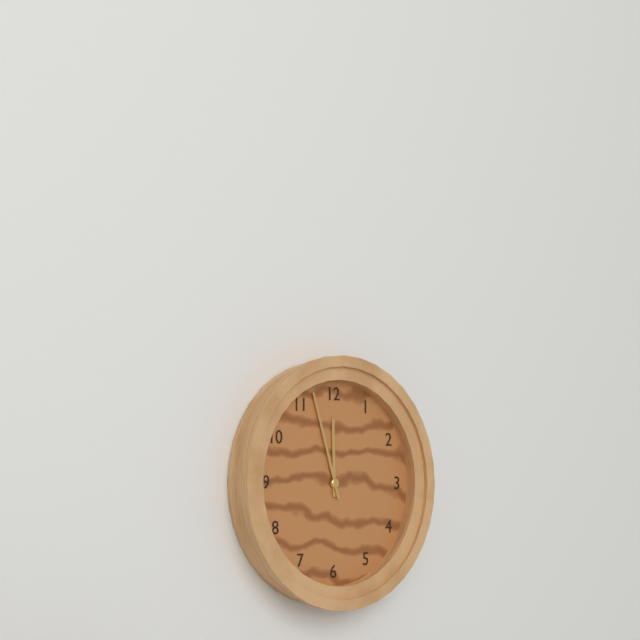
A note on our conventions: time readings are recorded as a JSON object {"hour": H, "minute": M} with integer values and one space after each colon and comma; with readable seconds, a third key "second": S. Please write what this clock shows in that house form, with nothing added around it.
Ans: {"hour": 11, "minute": 57}
